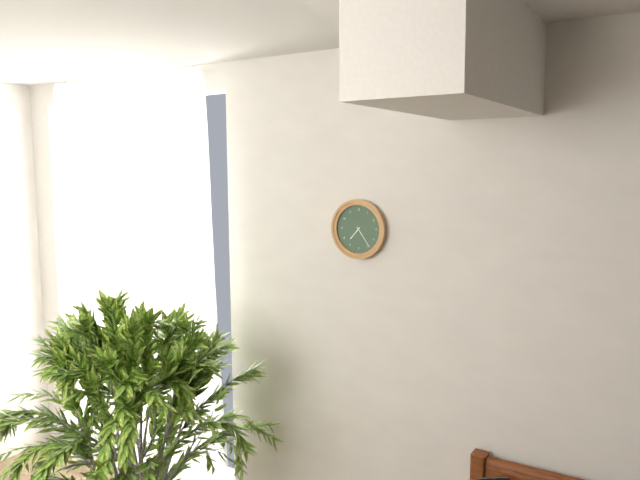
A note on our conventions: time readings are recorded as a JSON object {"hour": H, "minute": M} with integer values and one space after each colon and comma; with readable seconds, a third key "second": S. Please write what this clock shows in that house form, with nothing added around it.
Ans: {"hour": 7, "minute": 24}
